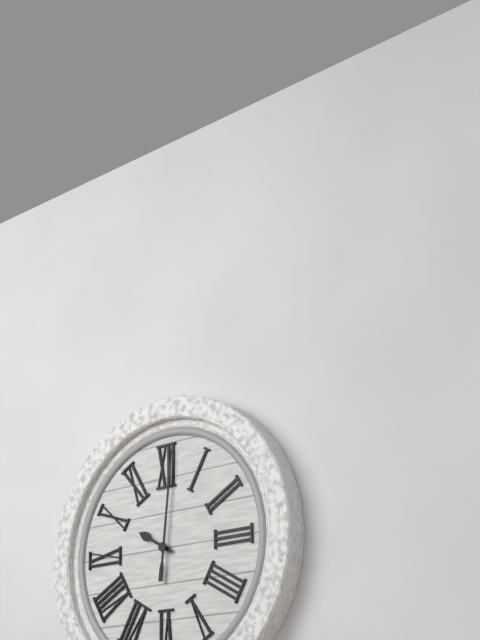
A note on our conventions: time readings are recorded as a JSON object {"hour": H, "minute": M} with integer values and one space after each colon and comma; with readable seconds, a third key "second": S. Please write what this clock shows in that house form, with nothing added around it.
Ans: {"hour": 10, "minute": 1}
